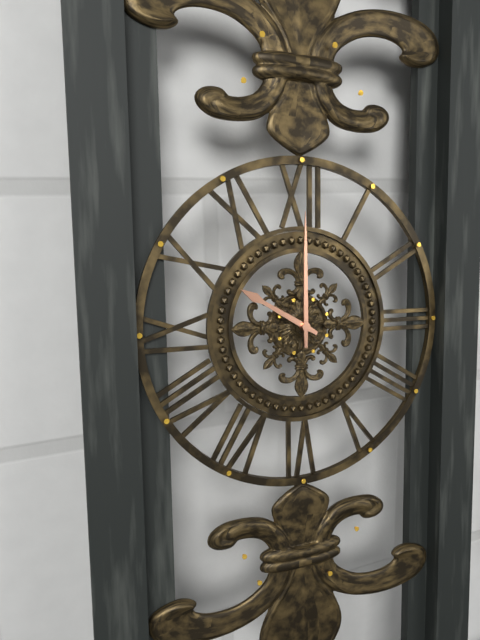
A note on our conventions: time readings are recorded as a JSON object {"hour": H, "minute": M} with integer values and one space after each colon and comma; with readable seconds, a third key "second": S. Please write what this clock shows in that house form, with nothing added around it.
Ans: {"hour": 10, "minute": 0}
